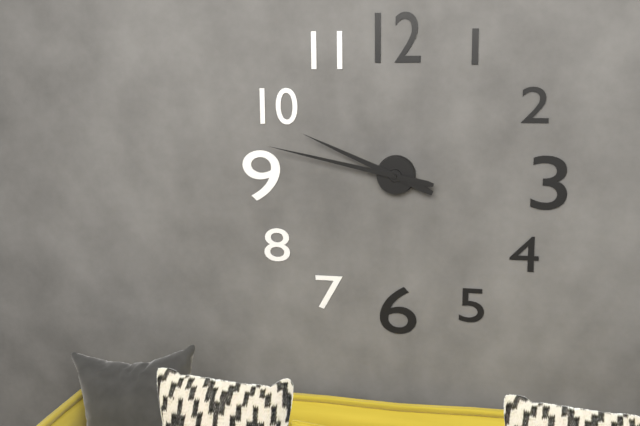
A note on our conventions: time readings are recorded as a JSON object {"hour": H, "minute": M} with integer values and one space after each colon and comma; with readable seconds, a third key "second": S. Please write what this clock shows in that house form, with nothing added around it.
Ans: {"hour": 9, "minute": 47}
